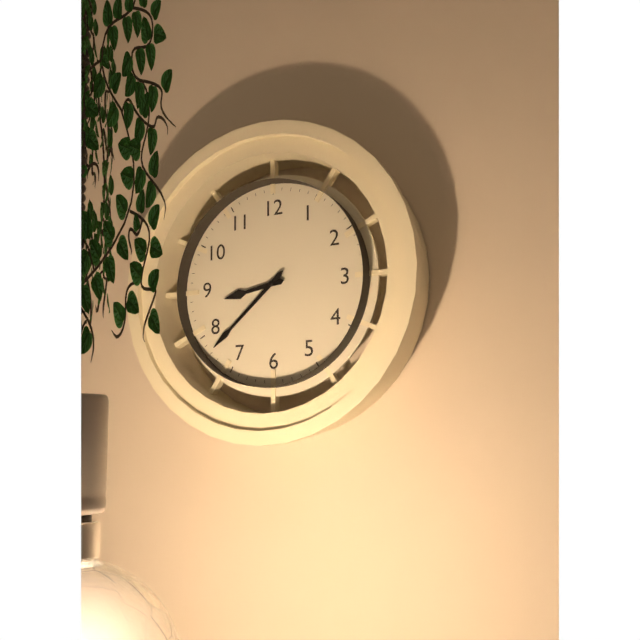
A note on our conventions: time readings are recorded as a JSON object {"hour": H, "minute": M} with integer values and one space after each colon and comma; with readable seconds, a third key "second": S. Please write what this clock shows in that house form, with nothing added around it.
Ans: {"hour": 8, "minute": 38}
